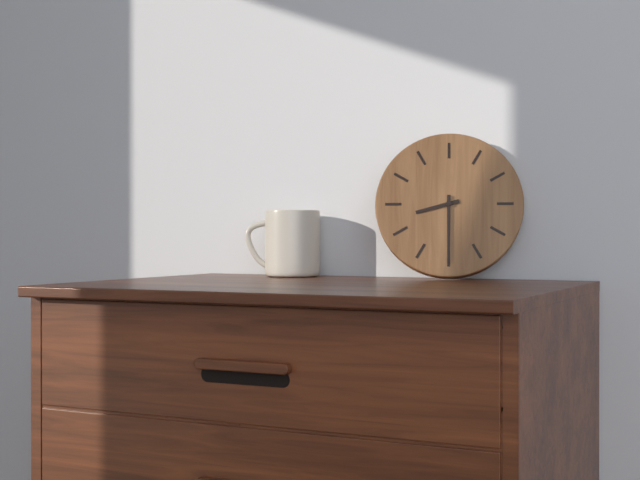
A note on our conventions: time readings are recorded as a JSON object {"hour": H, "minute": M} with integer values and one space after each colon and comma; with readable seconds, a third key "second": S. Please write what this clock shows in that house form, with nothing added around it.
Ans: {"hour": 8, "minute": 30}
